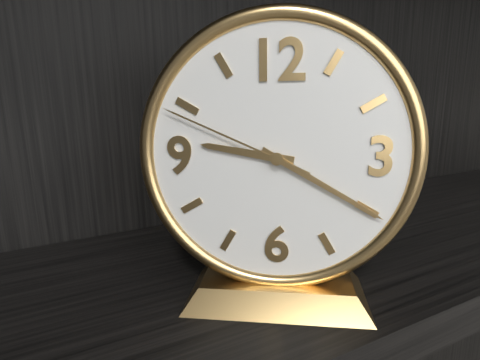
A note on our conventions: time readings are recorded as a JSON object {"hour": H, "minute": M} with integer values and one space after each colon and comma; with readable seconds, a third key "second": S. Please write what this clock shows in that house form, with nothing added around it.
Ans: {"hour": 9, "minute": 20, "second": 49}
